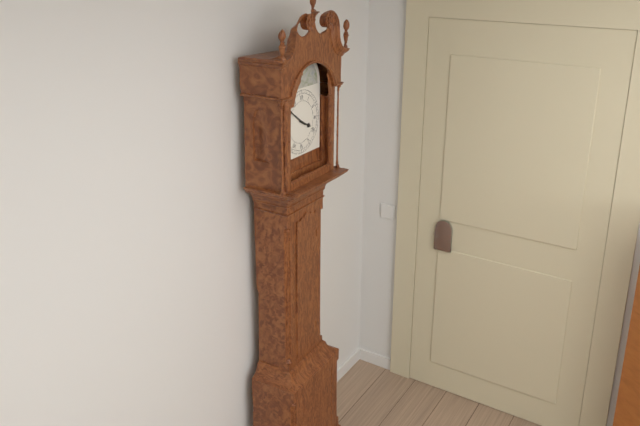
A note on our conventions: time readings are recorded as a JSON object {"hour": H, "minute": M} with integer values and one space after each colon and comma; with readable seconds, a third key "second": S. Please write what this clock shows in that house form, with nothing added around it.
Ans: {"hour": 3, "minute": 51}
